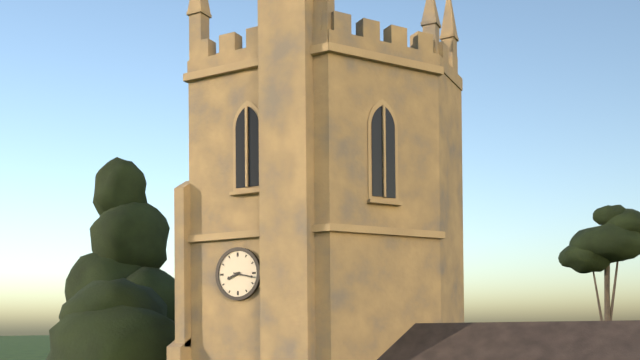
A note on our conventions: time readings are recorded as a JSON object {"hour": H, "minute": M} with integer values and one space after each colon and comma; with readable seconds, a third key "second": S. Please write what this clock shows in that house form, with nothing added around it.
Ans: {"hour": 8, "minute": 17}
